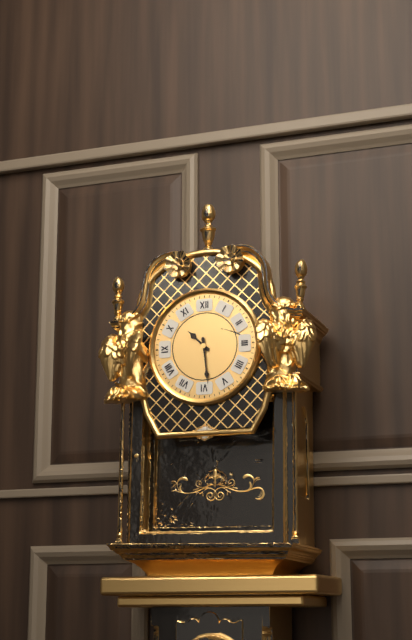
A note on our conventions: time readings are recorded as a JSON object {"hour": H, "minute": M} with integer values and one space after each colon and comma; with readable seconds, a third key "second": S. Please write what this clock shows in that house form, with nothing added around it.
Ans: {"hour": 10, "minute": 29}
